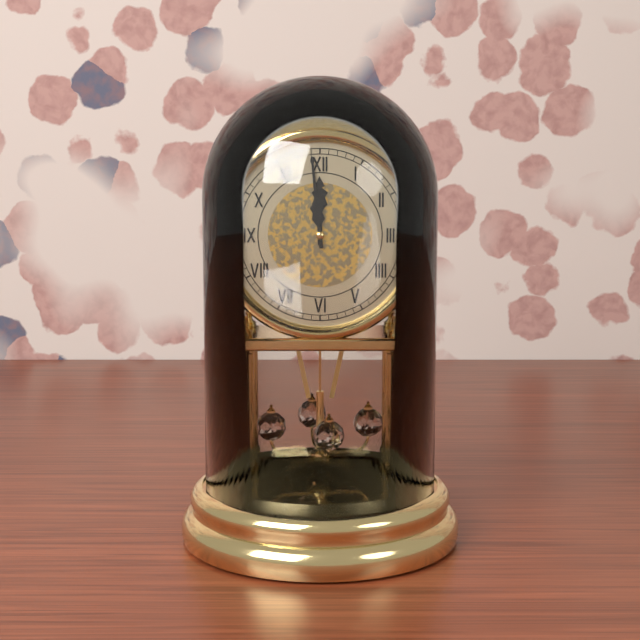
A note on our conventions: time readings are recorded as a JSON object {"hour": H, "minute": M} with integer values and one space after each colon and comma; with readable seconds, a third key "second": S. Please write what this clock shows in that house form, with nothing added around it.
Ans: {"hour": 11, "minute": 59}
